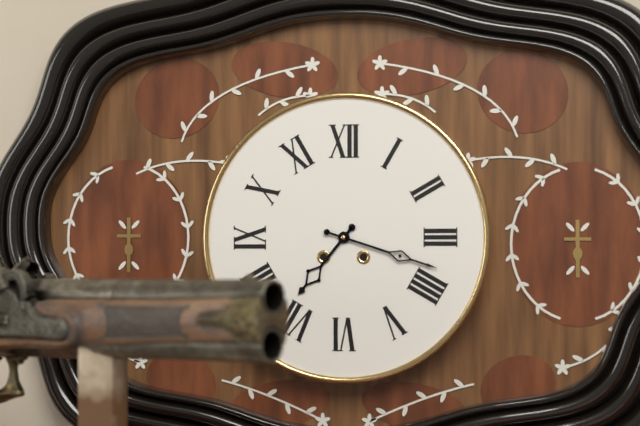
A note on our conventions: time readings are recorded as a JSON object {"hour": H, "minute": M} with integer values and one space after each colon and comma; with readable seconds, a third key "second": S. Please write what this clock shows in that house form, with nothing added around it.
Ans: {"hour": 7, "minute": 18}
